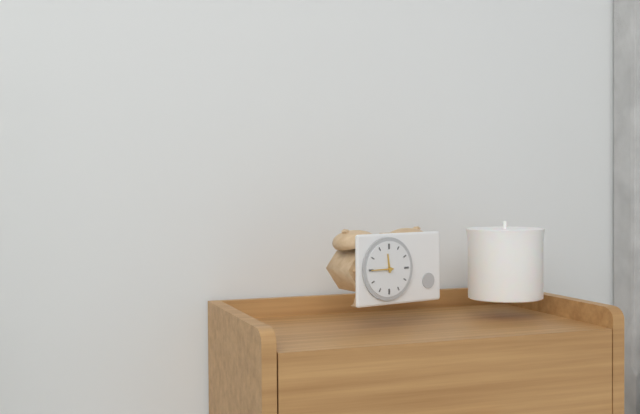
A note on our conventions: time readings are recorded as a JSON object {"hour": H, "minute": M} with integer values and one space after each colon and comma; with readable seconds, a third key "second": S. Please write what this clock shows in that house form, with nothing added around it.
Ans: {"hour": 11, "minute": 45}
